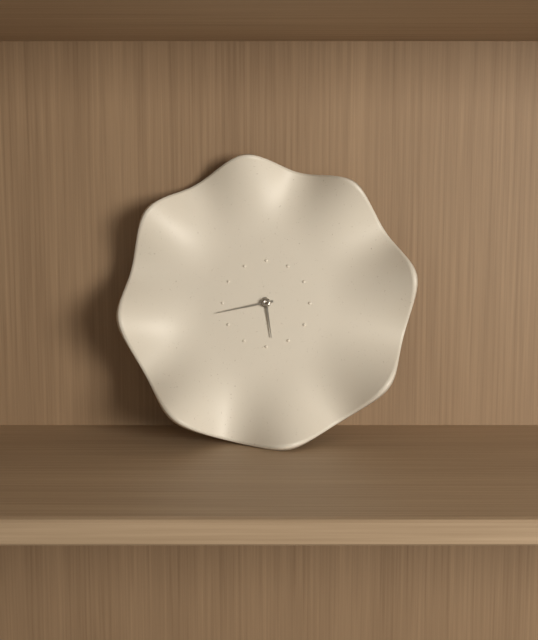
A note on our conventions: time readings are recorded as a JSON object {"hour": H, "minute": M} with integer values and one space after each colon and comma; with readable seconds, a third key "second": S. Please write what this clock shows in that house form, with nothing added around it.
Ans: {"hour": 5, "minute": 43}
